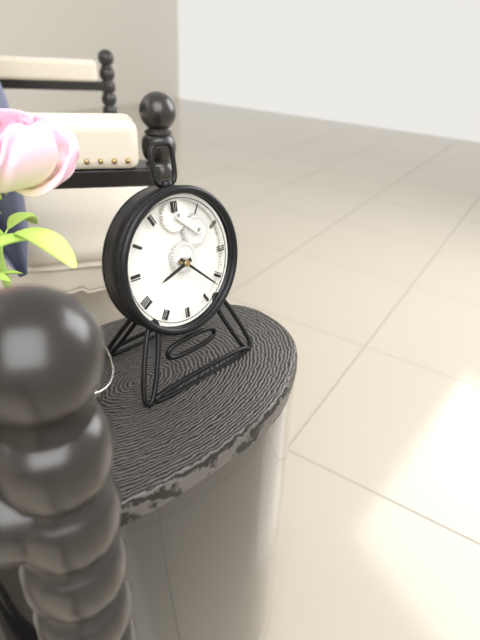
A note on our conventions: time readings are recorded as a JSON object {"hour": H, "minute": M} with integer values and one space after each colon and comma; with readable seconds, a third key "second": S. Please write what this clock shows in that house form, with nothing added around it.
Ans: {"hour": 8, "minute": 22}
